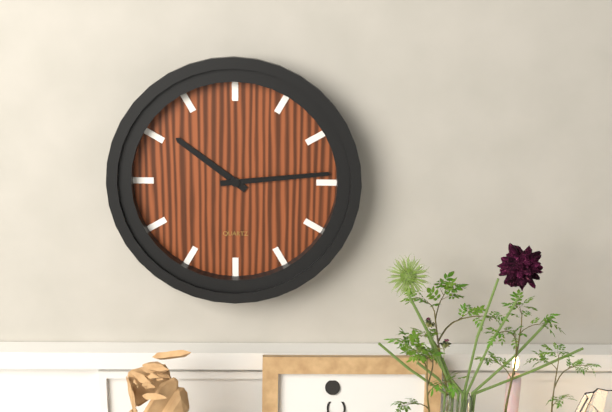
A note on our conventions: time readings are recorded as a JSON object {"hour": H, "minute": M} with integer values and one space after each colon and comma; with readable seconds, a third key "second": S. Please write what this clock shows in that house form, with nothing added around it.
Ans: {"hour": 10, "minute": 14}
